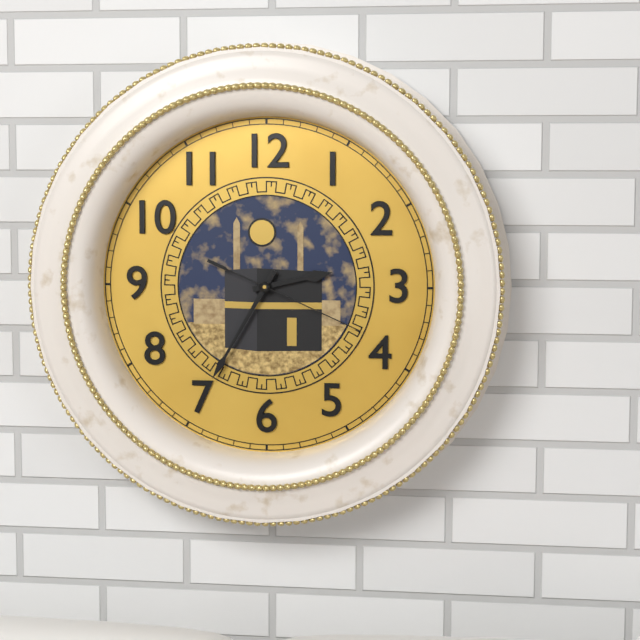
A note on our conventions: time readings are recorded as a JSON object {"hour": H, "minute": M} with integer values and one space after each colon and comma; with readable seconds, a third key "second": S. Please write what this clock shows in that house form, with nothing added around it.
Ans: {"hour": 2, "minute": 35, "second": 19}
